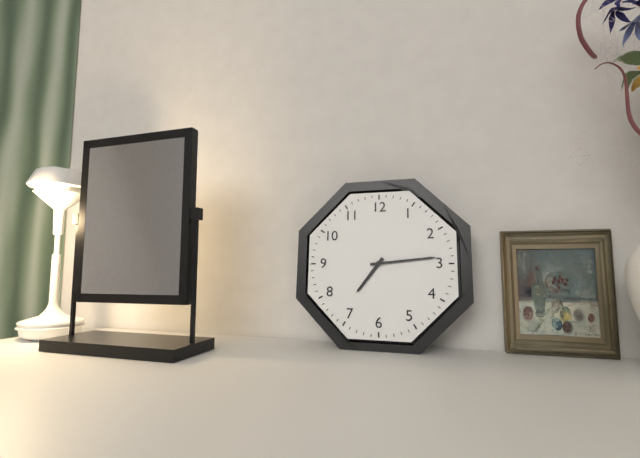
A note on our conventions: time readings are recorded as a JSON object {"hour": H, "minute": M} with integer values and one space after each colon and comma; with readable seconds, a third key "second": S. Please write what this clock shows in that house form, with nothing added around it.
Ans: {"hour": 7, "minute": 14}
